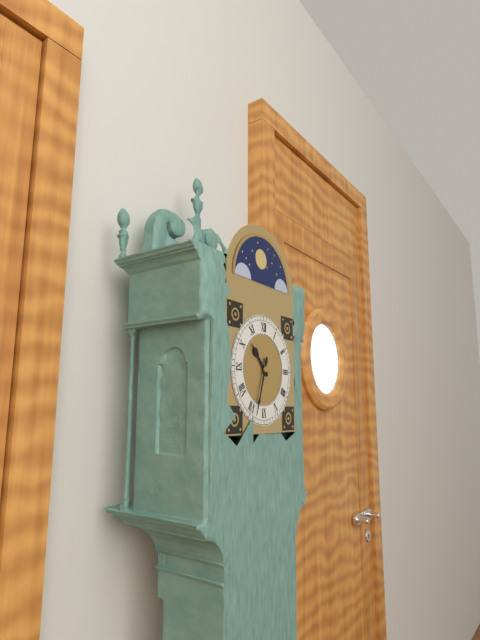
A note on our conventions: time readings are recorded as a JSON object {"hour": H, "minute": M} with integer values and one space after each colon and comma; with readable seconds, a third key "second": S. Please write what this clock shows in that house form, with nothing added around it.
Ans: {"hour": 10, "minute": 33}
